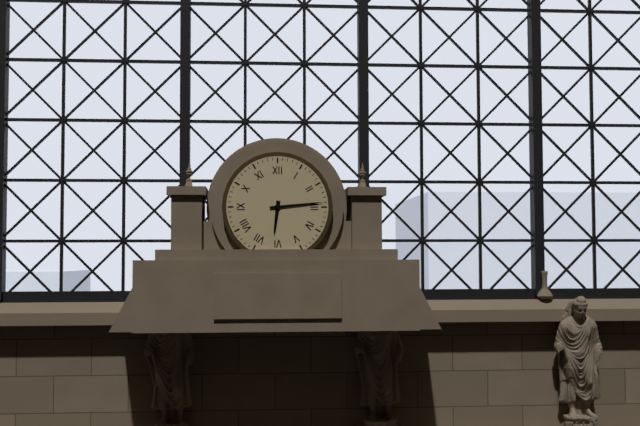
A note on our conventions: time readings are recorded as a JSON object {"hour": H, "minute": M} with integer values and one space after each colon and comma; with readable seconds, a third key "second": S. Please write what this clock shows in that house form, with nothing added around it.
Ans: {"hour": 6, "minute": 14}
